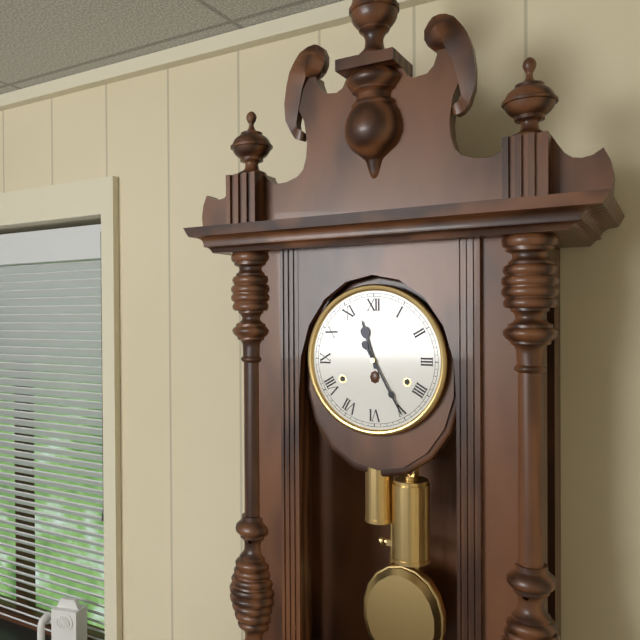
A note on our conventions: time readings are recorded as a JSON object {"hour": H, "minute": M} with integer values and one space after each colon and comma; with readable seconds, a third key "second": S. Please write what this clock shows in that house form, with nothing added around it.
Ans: {"hour": 11, "minute": 25}
